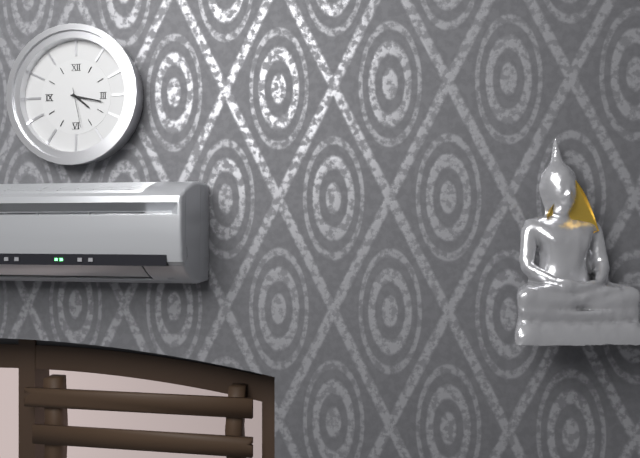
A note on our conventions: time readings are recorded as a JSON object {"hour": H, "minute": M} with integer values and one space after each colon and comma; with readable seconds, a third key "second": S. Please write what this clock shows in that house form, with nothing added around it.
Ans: {"hour": 4, "minute": 17}
